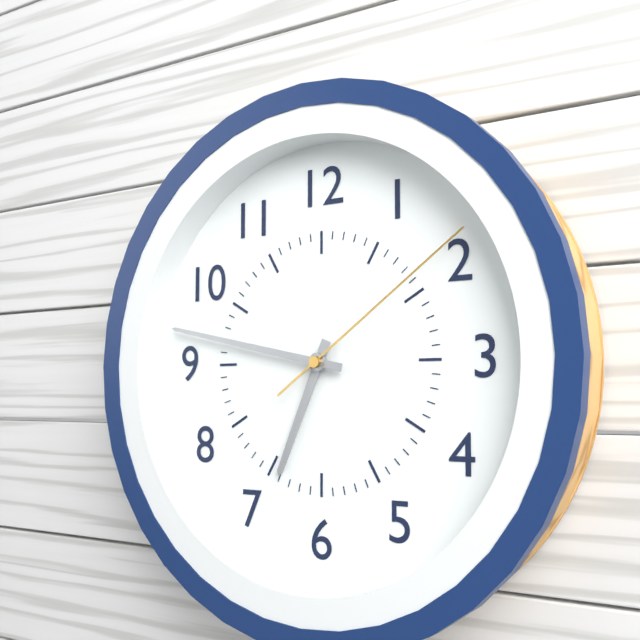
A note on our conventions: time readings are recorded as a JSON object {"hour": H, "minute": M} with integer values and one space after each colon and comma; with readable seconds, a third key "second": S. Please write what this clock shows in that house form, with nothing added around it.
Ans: {"hour": 6, "minute": 47, "second": 9}
